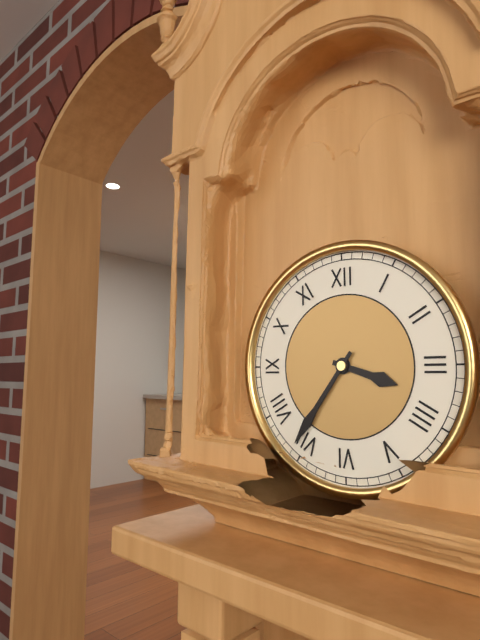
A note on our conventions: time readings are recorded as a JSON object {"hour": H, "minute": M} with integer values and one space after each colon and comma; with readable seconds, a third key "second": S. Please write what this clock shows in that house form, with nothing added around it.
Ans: {"hour": 3, "minute": 36}
